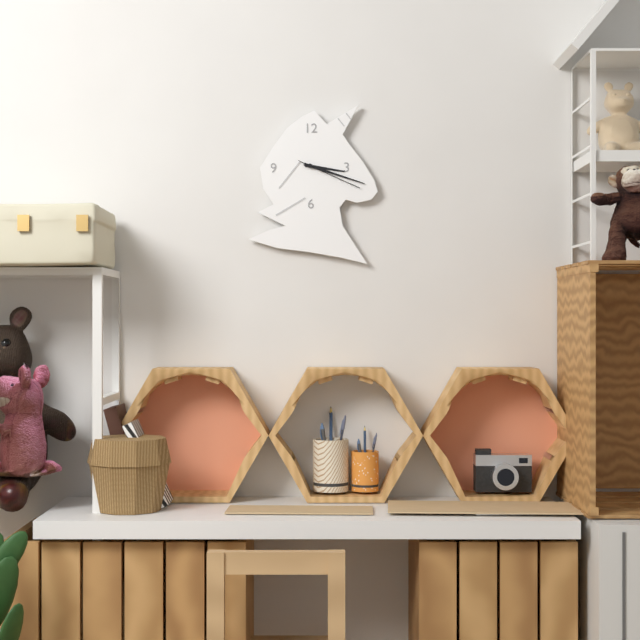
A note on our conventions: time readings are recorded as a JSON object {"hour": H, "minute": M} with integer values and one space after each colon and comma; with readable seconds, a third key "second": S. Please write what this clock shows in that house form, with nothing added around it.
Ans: {"hour": 3, "minute": 18, "second": 19}
